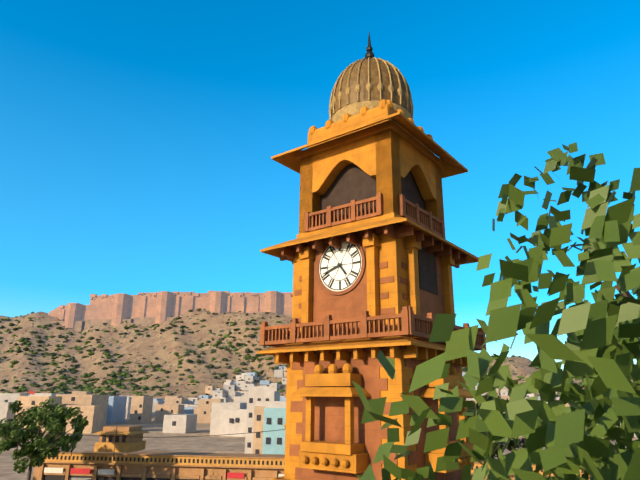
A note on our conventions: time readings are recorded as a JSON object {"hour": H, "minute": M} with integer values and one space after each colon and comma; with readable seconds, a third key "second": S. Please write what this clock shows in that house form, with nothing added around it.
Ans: {"hour": 4, "minute": 42}
